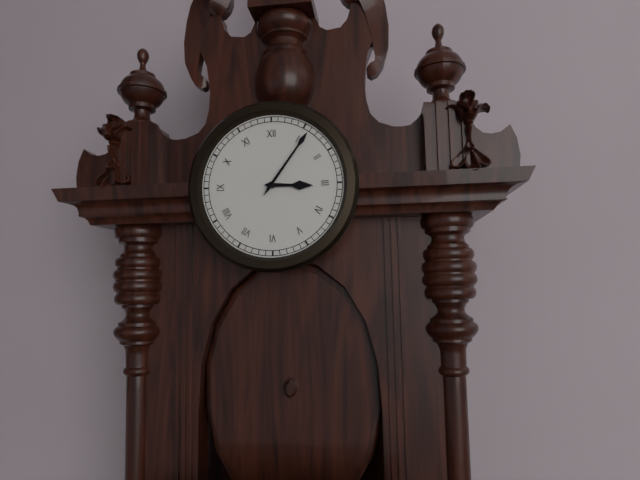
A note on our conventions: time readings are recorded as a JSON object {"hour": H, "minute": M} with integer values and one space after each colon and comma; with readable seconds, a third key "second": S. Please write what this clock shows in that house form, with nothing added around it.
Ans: {"hour": 3, "minute": 6}
